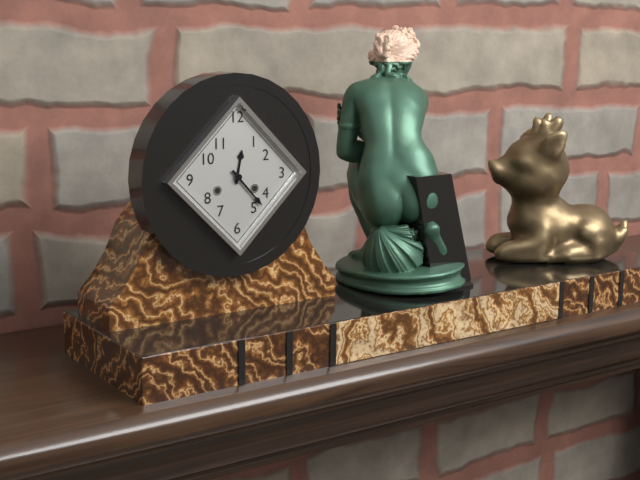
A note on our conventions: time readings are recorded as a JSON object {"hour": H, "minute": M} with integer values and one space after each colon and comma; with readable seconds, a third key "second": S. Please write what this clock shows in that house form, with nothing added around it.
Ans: {"hour": 12, "minute": 23}
